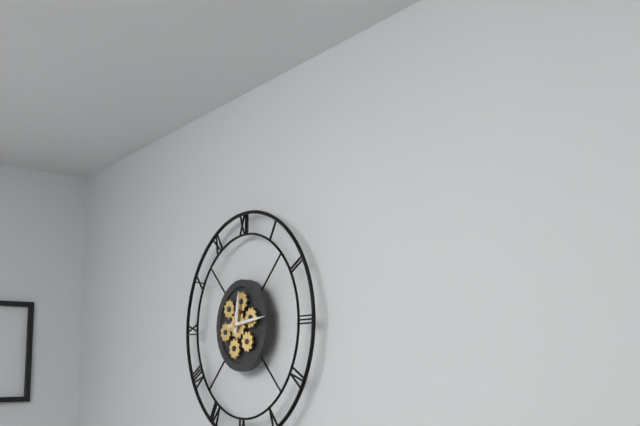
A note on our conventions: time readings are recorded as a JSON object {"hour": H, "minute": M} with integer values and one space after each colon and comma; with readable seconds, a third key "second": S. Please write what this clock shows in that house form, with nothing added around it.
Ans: {"hour": 12, "minute": 14}
